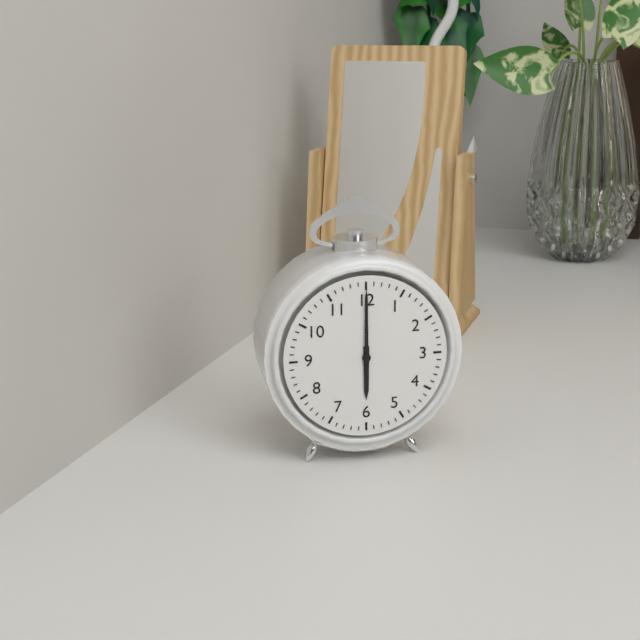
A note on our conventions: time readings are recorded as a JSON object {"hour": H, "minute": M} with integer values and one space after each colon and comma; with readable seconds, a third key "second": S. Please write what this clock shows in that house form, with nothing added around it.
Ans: {"hour": 6, "minute": 0}
